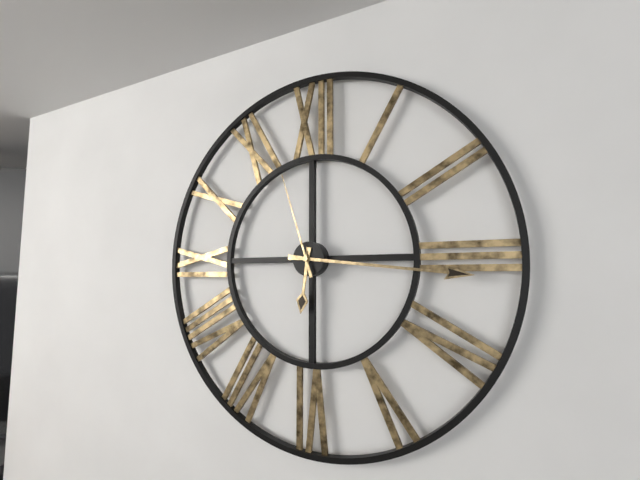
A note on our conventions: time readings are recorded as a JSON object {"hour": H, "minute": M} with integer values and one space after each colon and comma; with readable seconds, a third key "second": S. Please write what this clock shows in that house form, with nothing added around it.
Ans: {"hour": 6, "minute": 16, "second": 57}
